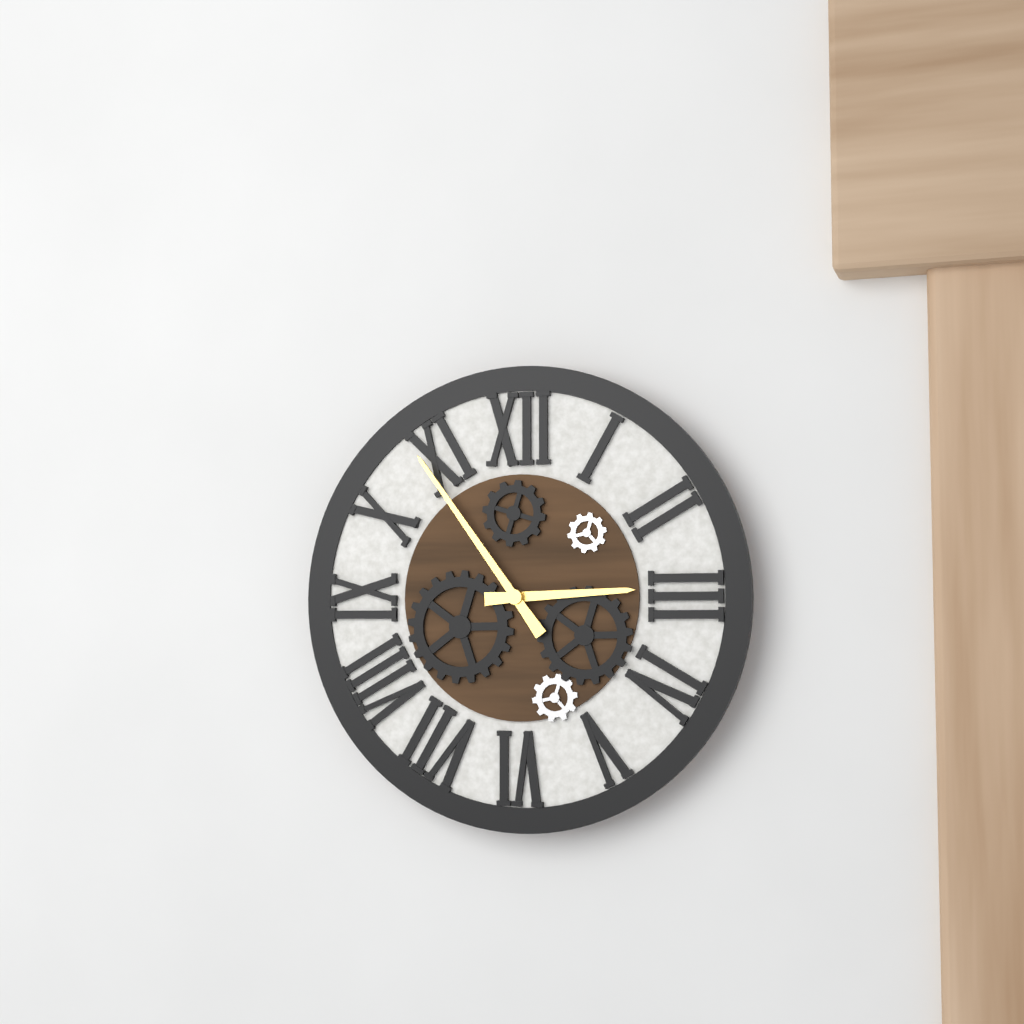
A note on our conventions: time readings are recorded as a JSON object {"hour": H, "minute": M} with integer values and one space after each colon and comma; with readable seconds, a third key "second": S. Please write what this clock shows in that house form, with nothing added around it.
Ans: {"hour": 2, "minute": 54}
